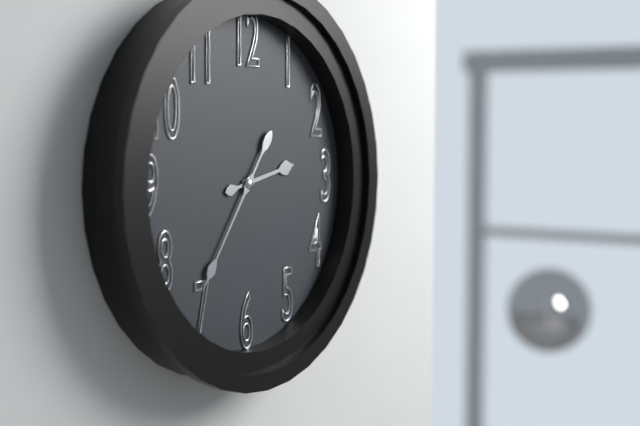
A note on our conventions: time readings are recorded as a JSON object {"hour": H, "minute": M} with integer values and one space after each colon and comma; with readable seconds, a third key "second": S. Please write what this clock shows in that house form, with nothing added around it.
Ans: {"hour": 2, "minute": 36}
